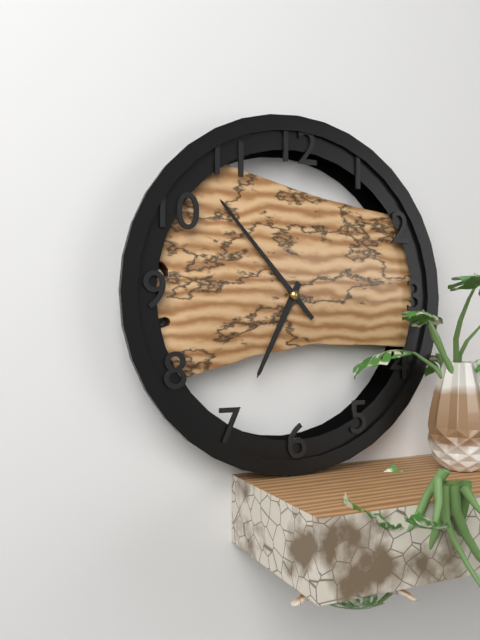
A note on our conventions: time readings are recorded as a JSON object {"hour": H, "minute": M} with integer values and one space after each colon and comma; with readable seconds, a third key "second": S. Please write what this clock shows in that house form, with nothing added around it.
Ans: {"hour": 6, "minute": 53}
